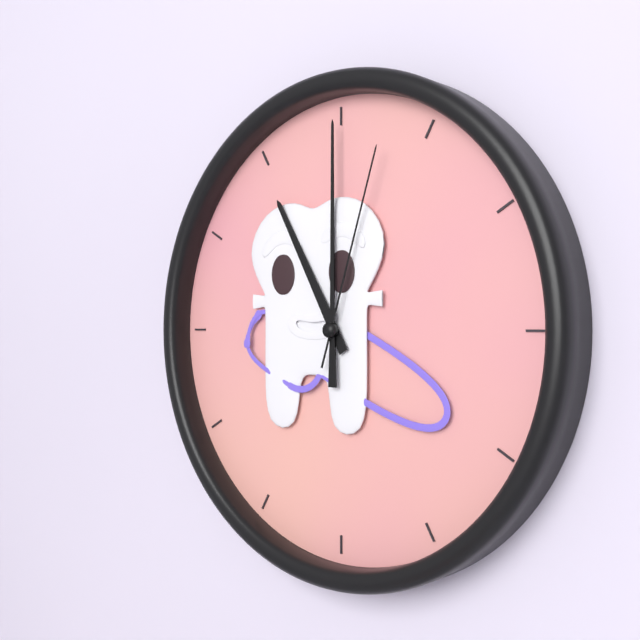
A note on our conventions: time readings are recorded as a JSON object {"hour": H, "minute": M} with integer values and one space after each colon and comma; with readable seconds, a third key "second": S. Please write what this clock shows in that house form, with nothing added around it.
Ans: {"hour": 11, "minute": 0, "second": 3}
